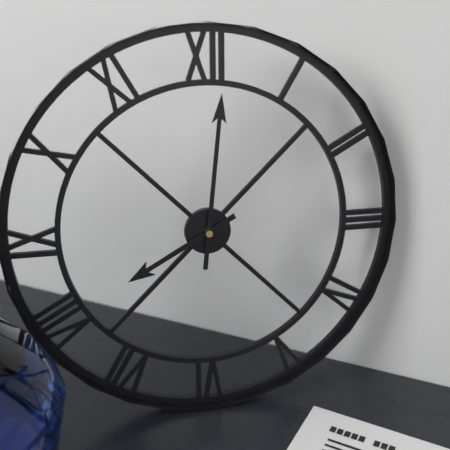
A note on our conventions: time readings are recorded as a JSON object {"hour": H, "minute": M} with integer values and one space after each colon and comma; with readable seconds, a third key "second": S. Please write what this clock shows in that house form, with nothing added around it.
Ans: {"hour": 8, "minute": 1}
